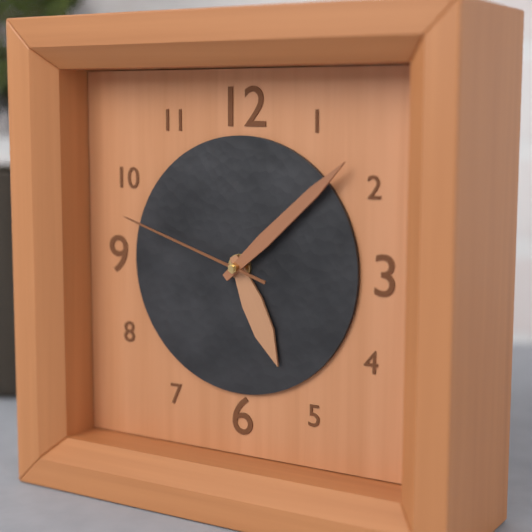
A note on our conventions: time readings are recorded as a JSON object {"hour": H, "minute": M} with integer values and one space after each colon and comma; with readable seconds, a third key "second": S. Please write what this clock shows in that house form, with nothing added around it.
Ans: {"hour": 5, "minute": 8, "second": 48}
